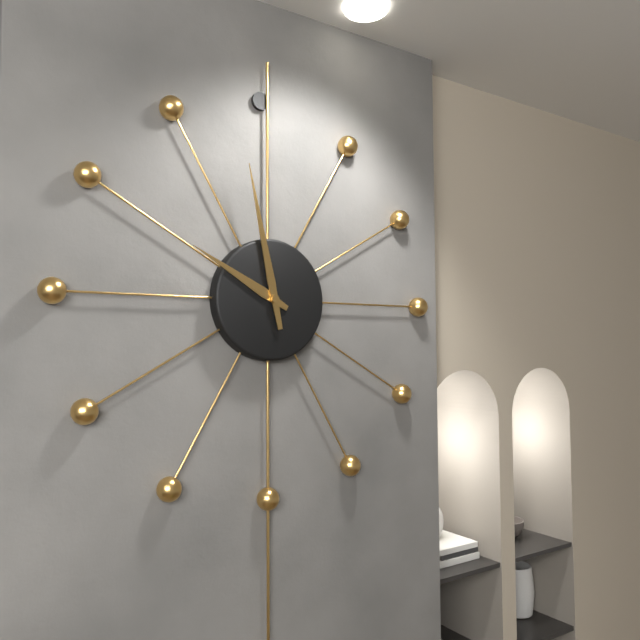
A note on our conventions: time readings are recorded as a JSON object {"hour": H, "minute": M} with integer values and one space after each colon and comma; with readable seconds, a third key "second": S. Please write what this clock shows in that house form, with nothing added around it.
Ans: {"hour": 9, "minute": 58}
